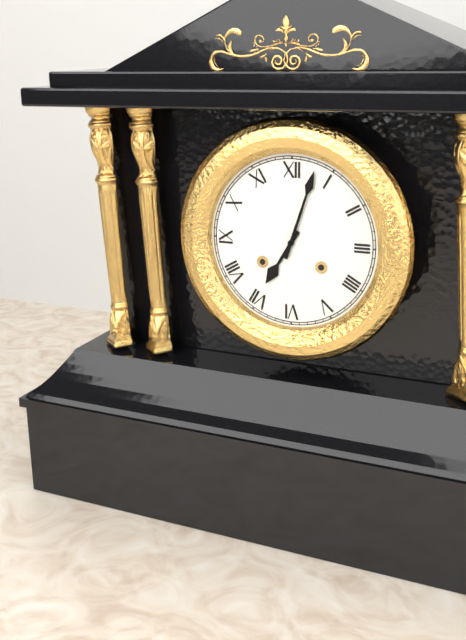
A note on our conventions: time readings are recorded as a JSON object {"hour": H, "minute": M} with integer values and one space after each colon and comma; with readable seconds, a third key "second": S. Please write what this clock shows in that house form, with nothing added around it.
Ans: {"hour": 7, "minute": 3}
